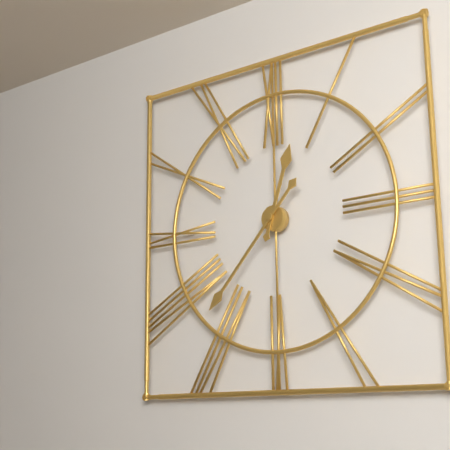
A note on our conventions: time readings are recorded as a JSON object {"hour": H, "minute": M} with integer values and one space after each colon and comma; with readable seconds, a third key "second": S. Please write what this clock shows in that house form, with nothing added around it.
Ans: {"hour": 12, "minute": 37}
